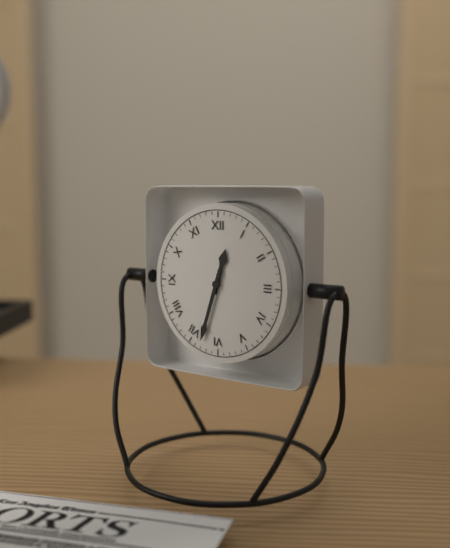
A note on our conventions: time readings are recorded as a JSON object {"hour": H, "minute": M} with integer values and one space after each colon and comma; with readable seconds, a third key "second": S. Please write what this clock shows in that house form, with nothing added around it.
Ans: {"hour": 12, "minute": 33}
